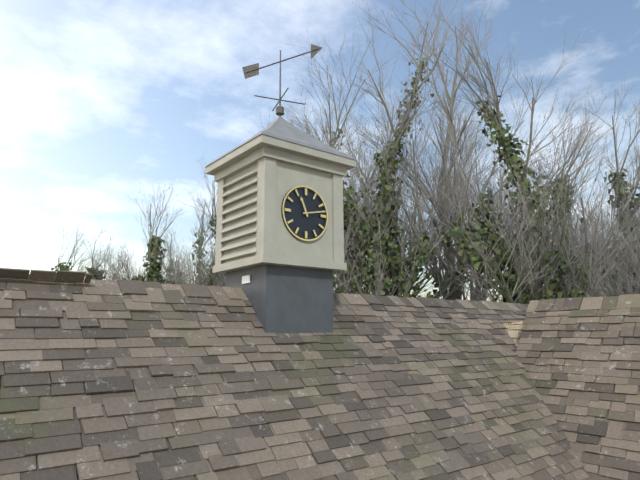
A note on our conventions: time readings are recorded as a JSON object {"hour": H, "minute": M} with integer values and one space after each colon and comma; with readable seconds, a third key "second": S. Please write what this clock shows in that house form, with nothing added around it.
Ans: {"hour": 11, "minute": 13}
